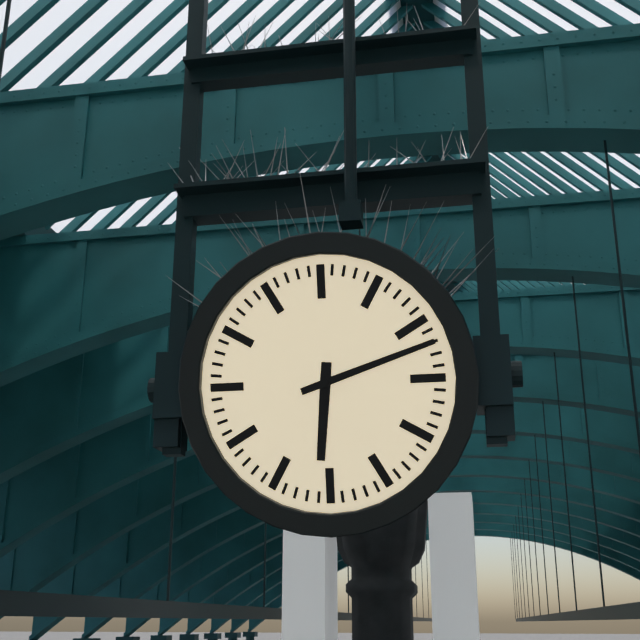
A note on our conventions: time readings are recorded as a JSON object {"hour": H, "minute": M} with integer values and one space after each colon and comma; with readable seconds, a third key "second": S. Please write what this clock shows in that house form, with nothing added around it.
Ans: {"hour": 6, "minute": 12}
